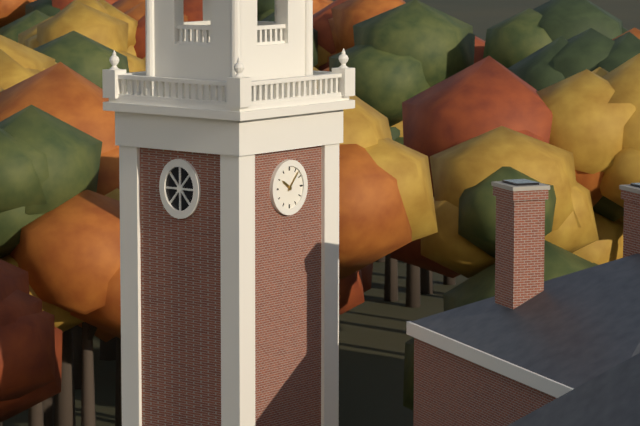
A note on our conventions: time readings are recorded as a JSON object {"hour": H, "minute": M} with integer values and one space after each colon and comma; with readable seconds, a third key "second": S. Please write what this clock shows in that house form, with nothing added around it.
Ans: {"hour": 10, "minute": 7}
